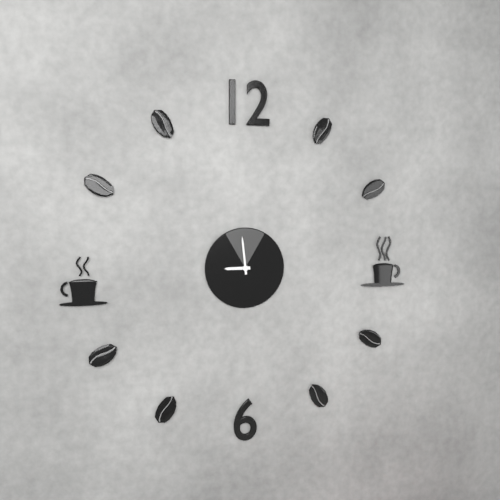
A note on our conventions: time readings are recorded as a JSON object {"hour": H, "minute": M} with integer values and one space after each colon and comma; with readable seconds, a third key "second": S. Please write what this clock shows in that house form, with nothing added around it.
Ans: {"hour": 8, "minute": 59}
